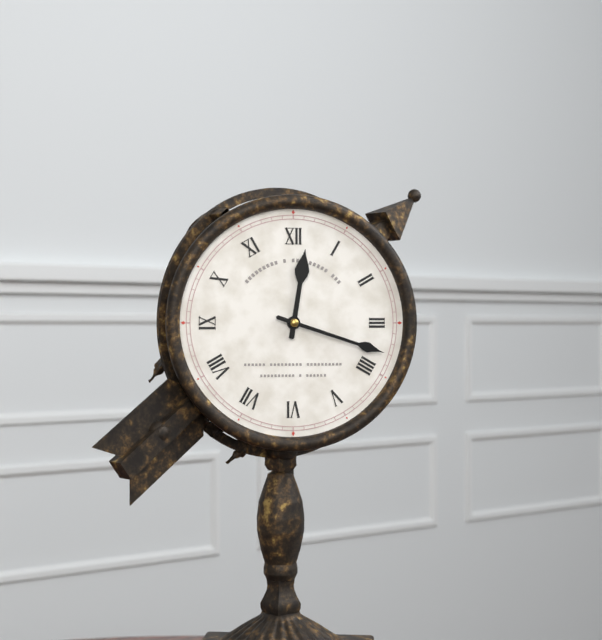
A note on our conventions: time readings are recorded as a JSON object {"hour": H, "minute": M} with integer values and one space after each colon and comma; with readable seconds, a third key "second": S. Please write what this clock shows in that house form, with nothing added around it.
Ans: {"hour": 12, "minute": 18}
